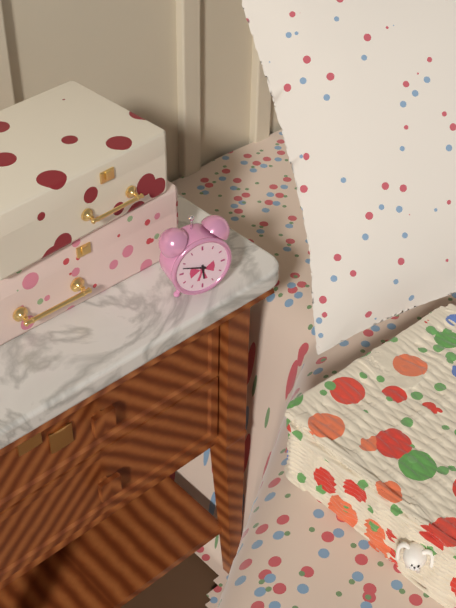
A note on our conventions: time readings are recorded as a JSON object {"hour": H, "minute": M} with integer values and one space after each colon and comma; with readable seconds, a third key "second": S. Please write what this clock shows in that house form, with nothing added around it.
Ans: {"hour": 5, "minute": 48}
